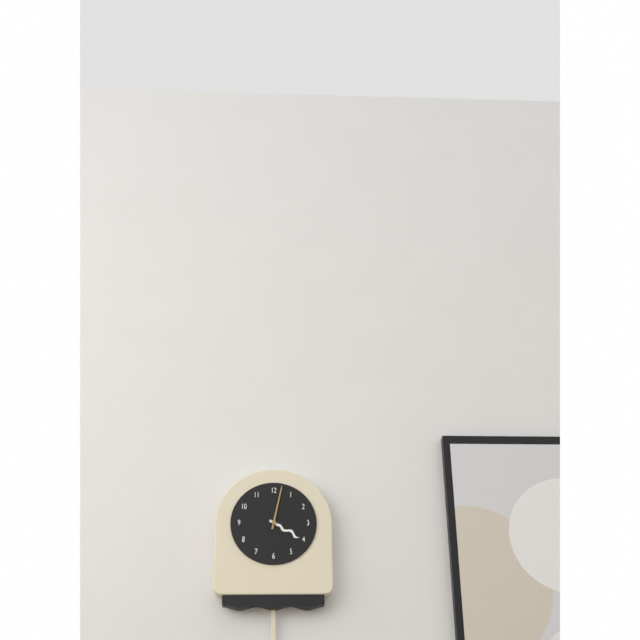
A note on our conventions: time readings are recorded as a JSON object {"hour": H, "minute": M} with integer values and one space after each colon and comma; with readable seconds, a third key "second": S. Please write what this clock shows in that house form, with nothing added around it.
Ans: {"hour": 4, "minute": 2}
